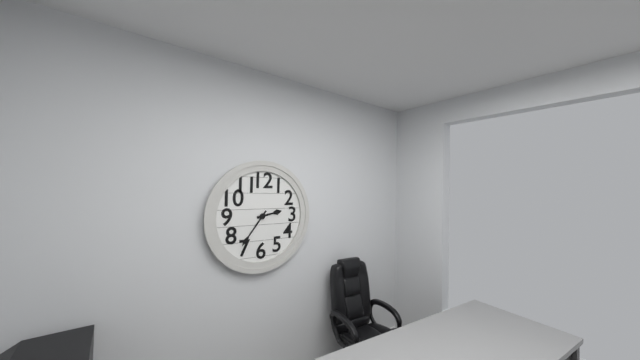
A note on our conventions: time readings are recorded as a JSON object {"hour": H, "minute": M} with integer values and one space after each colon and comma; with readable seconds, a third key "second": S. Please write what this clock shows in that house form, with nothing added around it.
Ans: {"hour": 2, "minute": 36}
